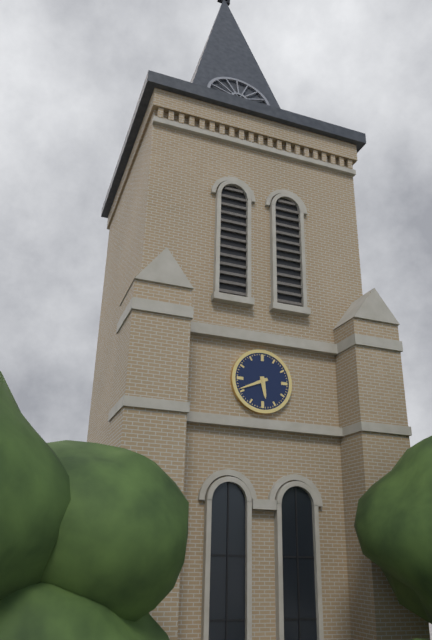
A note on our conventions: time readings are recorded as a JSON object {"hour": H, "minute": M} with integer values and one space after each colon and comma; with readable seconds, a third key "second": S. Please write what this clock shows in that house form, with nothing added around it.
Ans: {"hour": 5, "minute": 41}
